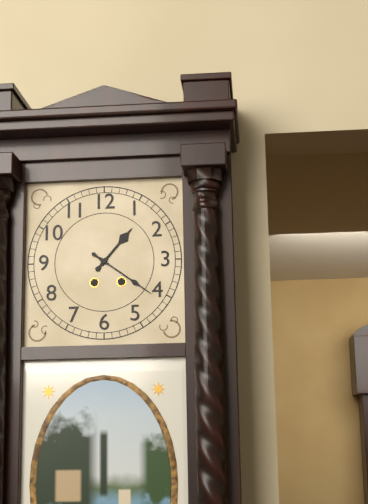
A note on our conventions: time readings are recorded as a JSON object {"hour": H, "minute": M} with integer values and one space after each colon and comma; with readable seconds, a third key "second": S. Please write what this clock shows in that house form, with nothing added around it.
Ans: {"hour": 1, "minute": 21}
